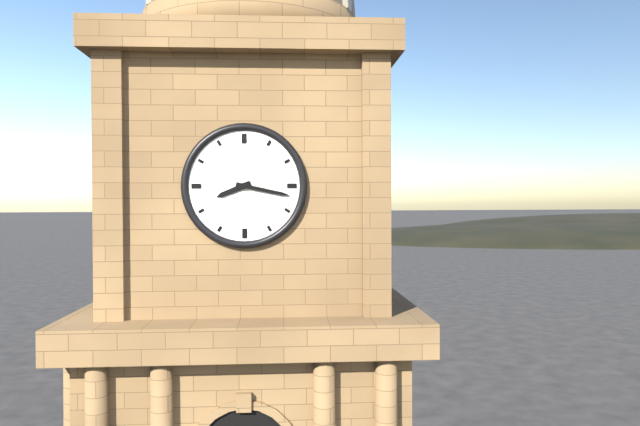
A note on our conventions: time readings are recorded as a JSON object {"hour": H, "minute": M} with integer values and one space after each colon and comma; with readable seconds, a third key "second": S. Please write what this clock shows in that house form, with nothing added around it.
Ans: {"hour": 8, "minute": 17}
